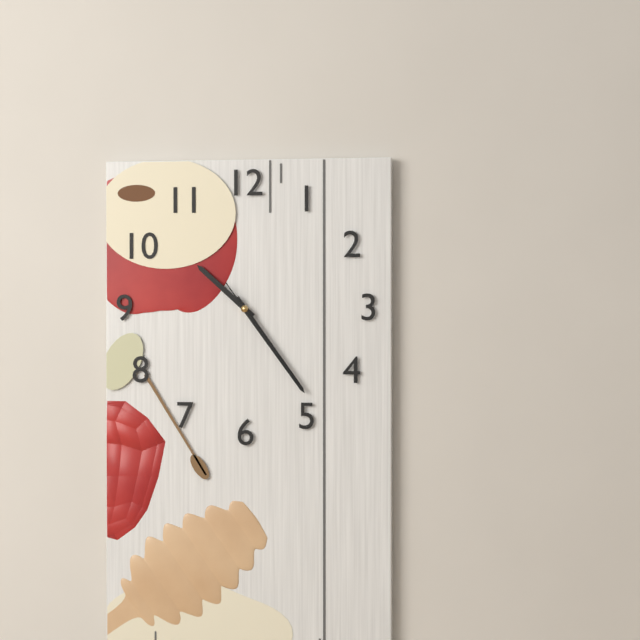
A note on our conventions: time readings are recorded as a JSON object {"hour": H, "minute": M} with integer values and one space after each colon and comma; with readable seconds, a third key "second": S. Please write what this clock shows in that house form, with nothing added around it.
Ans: {"hour": 10, "minute": 24, "second": 24}
